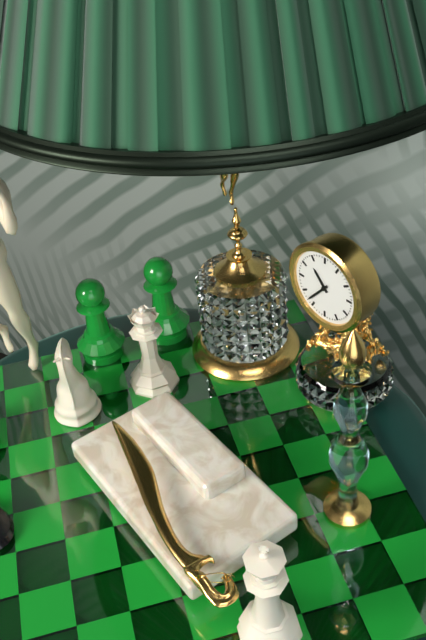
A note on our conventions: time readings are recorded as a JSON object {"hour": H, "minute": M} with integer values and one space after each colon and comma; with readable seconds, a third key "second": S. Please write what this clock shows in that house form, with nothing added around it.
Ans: {"hour": 10, "minute": 37}
